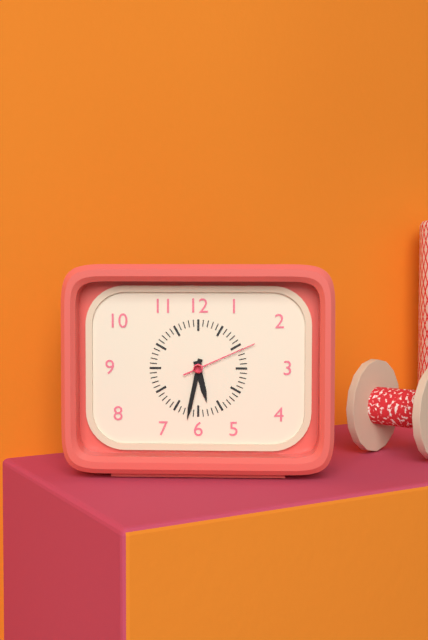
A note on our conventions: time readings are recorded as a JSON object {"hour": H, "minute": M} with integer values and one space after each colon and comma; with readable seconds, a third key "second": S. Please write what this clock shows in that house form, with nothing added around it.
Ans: {"hour": 5, "minute": 32, "second": 11}
